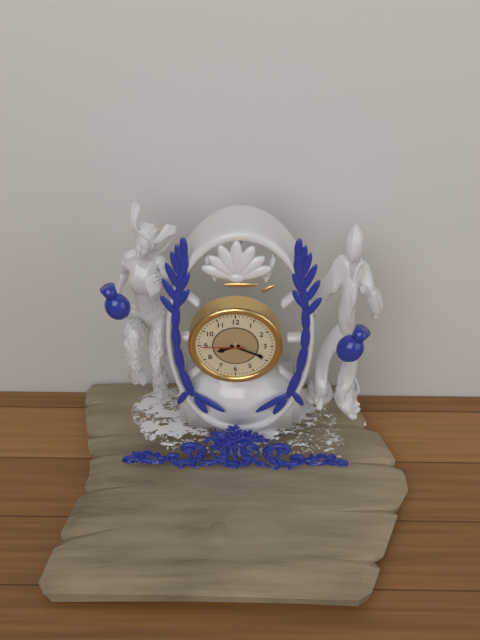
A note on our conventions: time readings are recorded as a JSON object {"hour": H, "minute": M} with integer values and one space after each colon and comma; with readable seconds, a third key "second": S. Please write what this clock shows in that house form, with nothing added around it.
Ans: {"hour": 8, "minute": 19}
